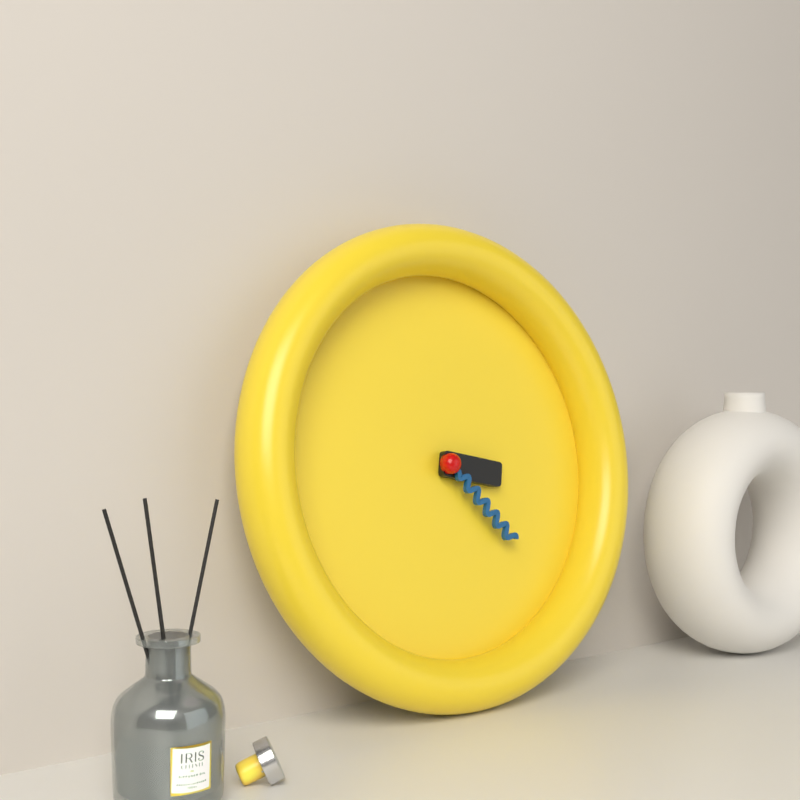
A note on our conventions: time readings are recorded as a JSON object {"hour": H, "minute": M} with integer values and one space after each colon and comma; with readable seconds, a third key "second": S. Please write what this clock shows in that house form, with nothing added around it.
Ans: {"hour": 3, "minute": 23}
